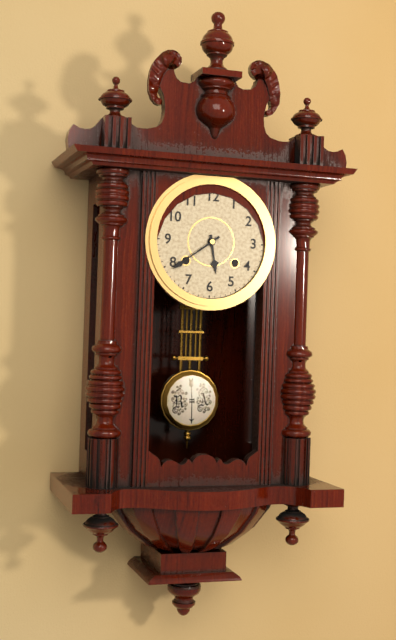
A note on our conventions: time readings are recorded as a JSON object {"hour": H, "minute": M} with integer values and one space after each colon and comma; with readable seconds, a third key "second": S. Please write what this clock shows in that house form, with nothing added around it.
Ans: {"hour": 5, "minute": 39}
